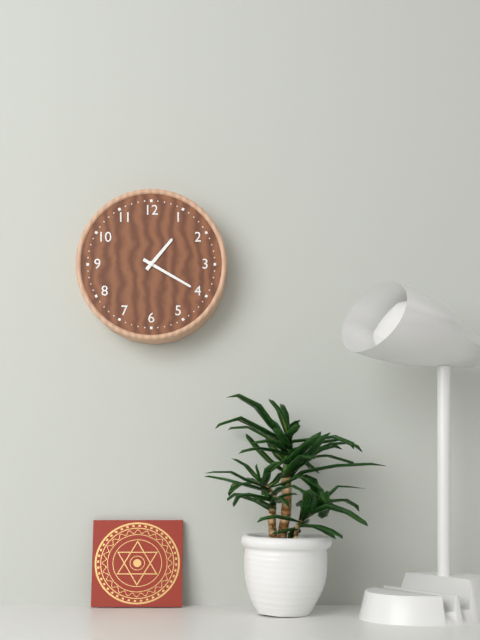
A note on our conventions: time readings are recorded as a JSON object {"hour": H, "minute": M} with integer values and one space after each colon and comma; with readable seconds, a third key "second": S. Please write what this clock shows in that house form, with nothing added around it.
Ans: {"hour": 1, "minute": 20}
